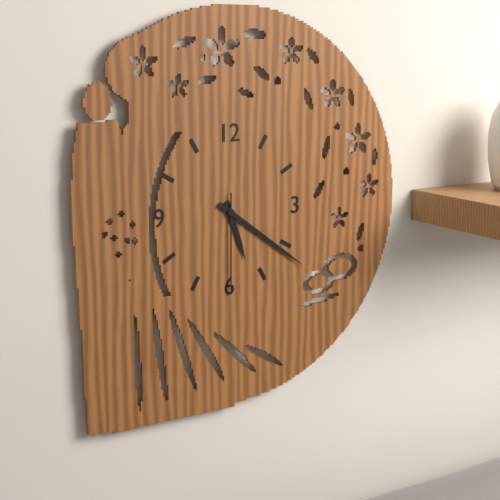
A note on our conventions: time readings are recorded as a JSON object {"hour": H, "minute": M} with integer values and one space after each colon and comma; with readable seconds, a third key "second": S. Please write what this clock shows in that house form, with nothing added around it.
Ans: {"hour": 5, "minute": 21, "second": 30}
